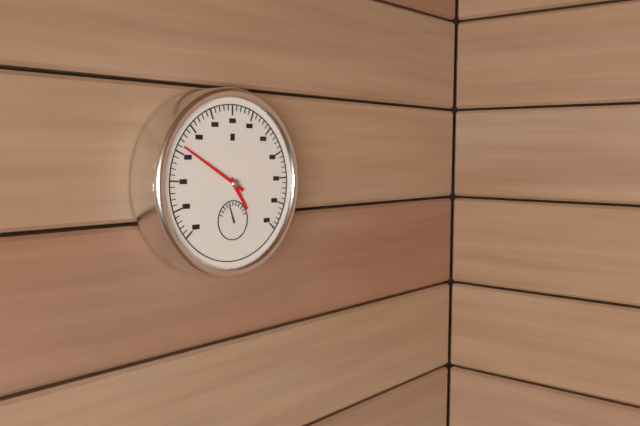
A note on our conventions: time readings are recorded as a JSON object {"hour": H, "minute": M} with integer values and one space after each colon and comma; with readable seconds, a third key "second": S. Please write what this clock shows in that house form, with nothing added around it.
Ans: {"hour": 4, "minute": 50}
